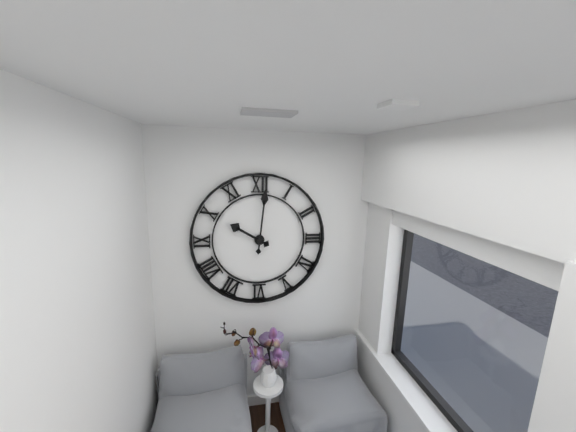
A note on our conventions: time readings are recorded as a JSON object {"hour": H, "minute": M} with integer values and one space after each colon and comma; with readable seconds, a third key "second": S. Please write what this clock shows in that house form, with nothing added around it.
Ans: {"hour": 10, "minute": 1}
